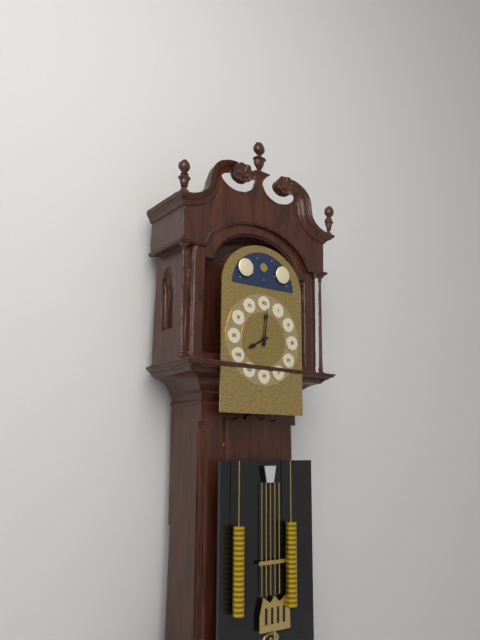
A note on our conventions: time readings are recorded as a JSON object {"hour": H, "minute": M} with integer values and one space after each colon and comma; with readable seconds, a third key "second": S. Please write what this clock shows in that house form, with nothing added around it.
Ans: {"hour": 8, "minute": 1}
